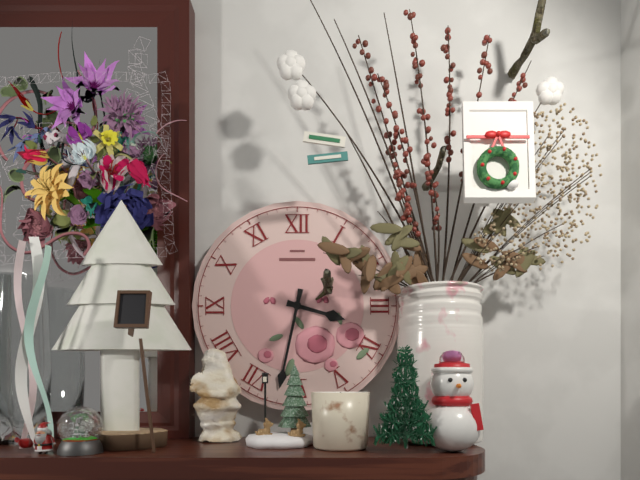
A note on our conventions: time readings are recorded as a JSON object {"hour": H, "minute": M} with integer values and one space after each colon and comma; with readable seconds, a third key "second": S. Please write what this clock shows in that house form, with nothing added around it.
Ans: {"hour": 3, "minute": 32}
